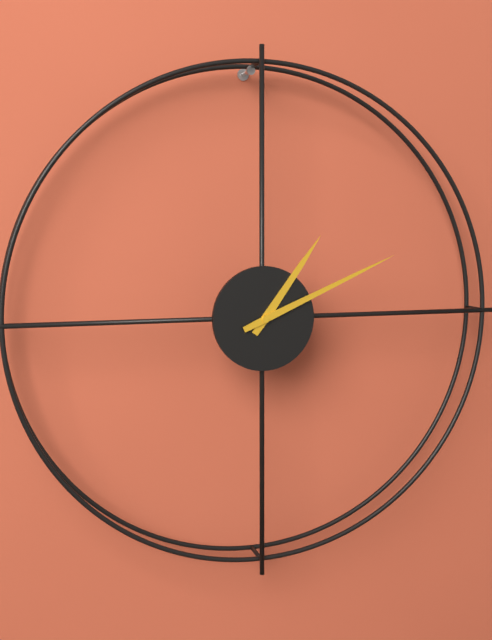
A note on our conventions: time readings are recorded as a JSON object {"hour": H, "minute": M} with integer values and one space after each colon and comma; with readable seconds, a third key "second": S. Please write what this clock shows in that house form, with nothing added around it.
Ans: {"hour": 1, "minute": 11}
